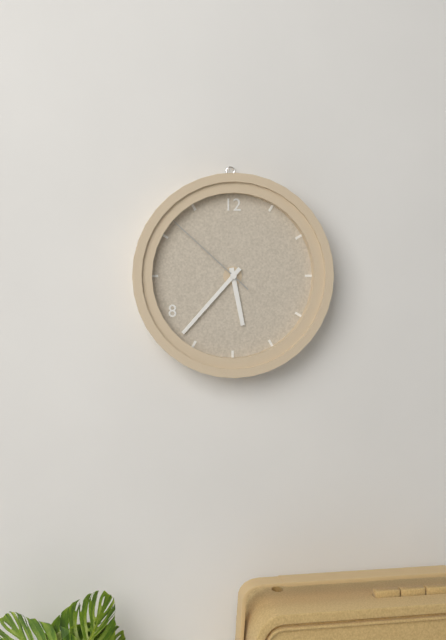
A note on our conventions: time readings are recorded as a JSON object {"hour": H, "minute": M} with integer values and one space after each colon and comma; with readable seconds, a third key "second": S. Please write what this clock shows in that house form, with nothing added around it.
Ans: {"hour": 5, "minute": 37, "second": 52}
